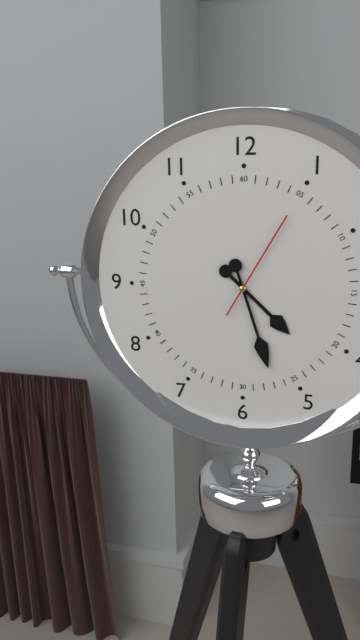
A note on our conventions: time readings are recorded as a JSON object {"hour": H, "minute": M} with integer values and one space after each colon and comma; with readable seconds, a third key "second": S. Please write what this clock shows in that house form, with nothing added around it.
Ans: {"hour": 4, "minute": 27, "second": 5}
